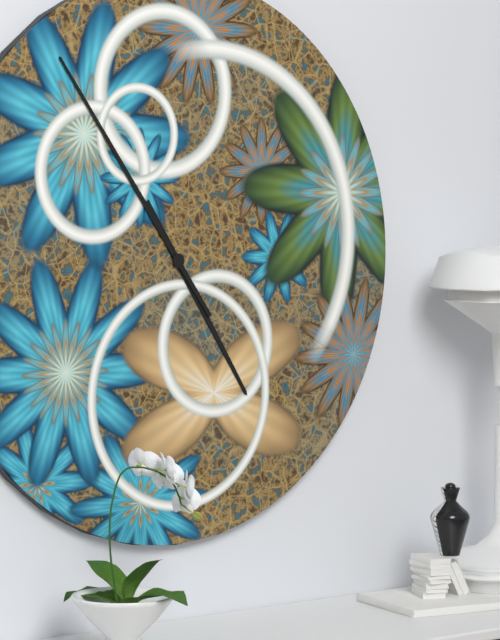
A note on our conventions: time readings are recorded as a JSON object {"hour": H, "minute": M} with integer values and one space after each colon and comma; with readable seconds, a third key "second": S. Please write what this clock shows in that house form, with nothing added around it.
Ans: {"hour": 4, "minute": 54}
